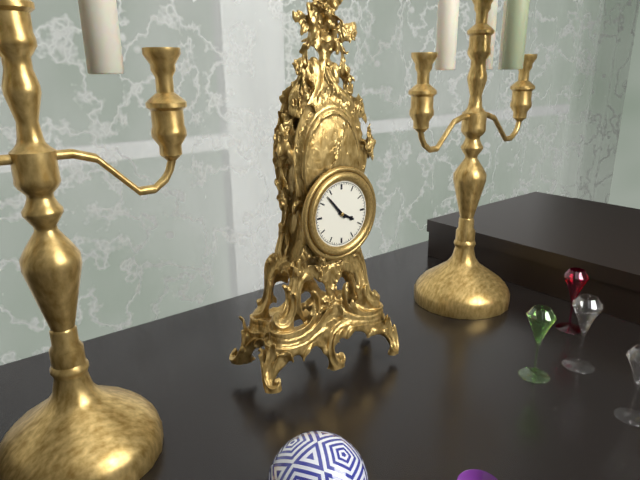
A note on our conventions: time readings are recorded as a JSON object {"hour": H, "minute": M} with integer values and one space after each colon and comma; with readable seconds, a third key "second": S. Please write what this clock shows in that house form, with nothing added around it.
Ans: {"hour": 3, "minute": 53}
